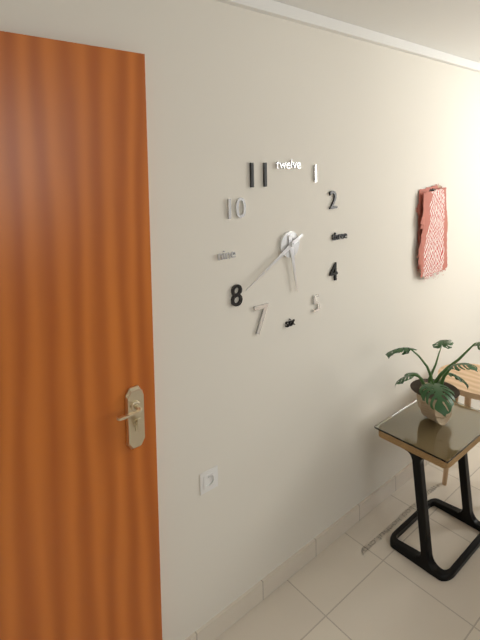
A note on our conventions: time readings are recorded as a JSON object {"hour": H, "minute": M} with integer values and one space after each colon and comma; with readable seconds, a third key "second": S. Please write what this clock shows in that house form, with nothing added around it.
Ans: {"hour": 5, "minute": 40}
